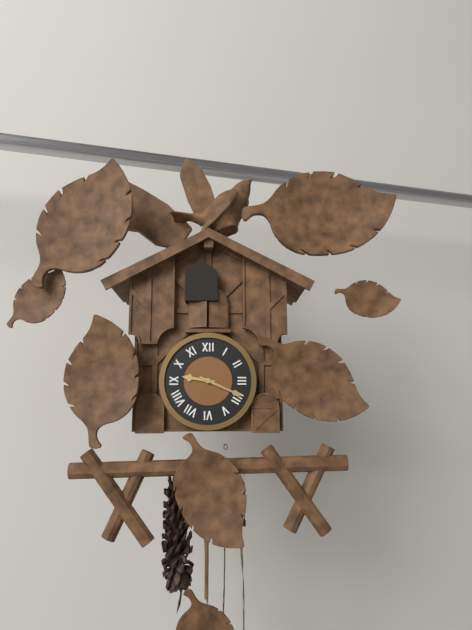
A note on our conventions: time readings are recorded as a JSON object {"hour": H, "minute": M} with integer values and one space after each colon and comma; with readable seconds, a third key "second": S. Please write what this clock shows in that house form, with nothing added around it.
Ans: {"hour": 9, "minute": 19}
